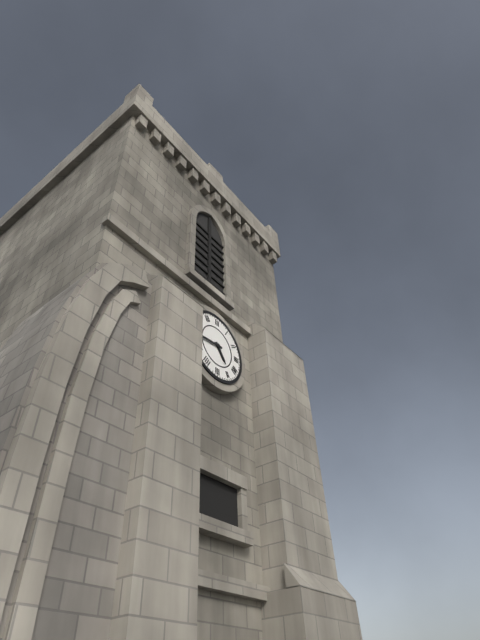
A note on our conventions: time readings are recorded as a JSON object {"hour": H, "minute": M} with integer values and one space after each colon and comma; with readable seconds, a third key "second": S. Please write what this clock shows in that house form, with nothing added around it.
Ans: {"hour": 4, "minute": 44}
